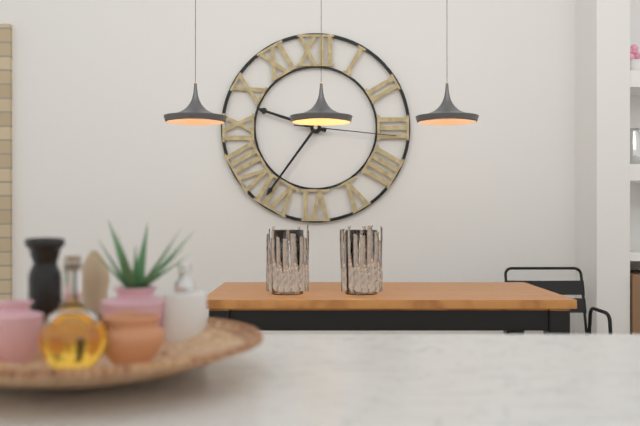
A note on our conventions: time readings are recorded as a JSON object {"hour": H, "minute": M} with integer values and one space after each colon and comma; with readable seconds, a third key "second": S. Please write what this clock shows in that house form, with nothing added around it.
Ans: {"hour": 9, "minute": 36, "second": 16}
